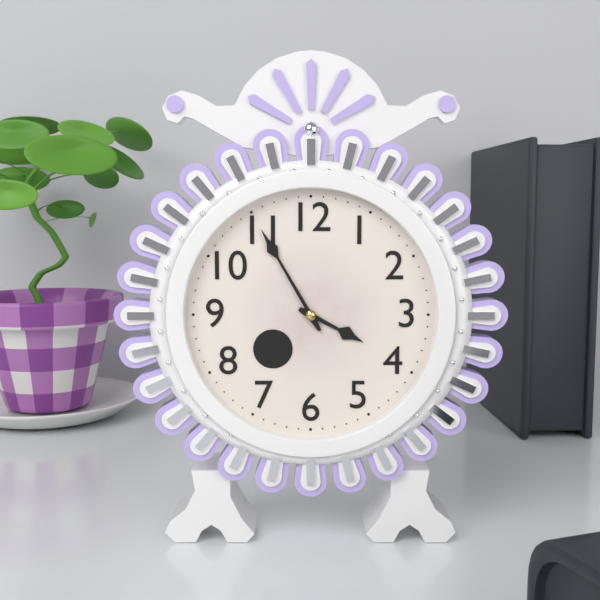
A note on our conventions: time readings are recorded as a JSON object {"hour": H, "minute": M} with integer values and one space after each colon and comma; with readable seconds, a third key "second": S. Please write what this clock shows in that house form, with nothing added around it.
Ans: {"hour": 3, "minute": 55}
